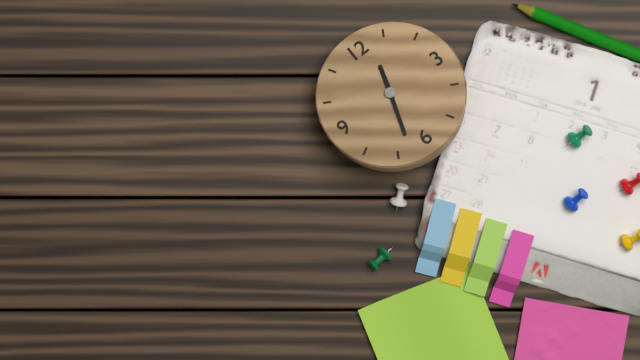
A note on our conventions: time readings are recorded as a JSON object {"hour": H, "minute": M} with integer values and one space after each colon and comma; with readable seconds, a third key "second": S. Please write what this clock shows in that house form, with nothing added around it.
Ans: {"hour": 12, "minute": 33}
